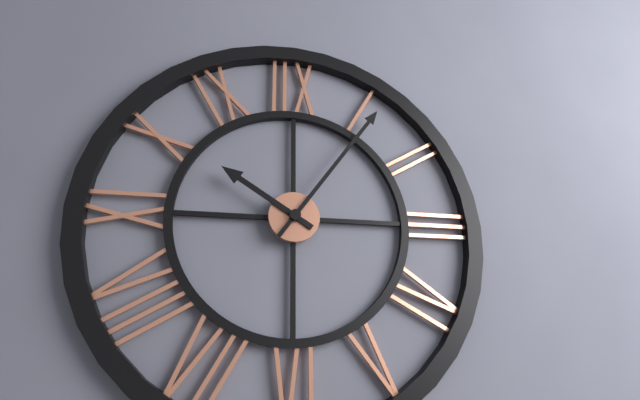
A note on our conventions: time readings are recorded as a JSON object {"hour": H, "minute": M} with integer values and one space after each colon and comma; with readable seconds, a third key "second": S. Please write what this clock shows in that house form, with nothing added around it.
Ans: {"hour": 10, "minute": 6}
